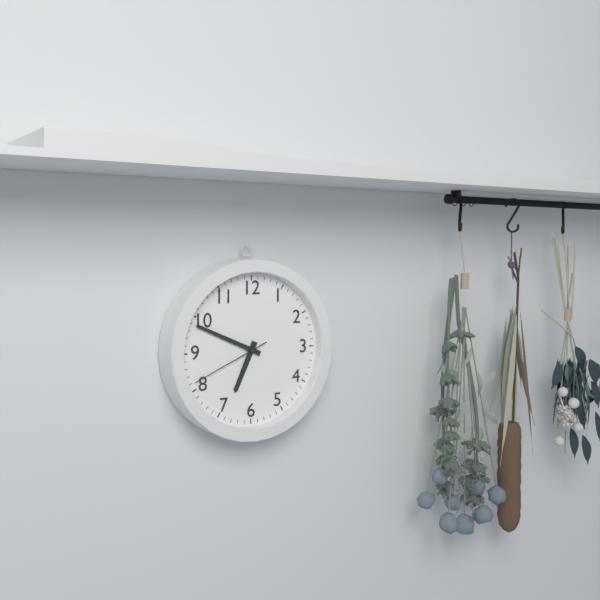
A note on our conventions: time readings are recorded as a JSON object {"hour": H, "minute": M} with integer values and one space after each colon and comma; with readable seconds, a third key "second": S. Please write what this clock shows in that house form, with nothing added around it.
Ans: {"hour": 6, "minute": 49, "second": 41}
